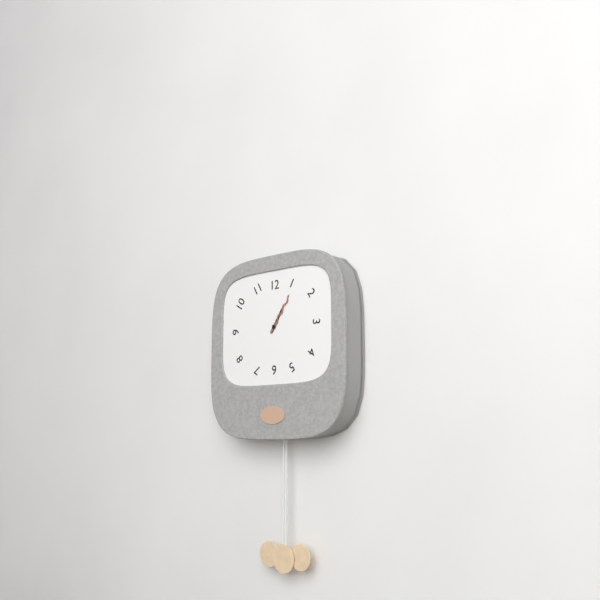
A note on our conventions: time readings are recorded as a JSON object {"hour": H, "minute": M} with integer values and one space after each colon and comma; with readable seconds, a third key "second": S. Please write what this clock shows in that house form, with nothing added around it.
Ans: {"hour": 1, "minute": 6}
